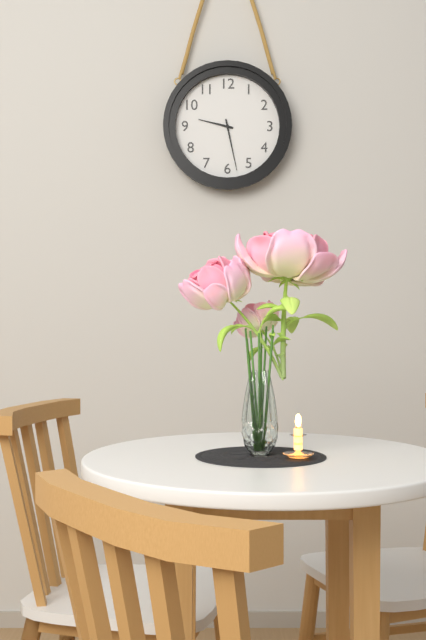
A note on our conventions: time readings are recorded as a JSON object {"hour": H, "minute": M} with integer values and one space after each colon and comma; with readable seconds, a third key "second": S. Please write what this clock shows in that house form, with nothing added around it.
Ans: {"hour": 9, "minute": 28}
